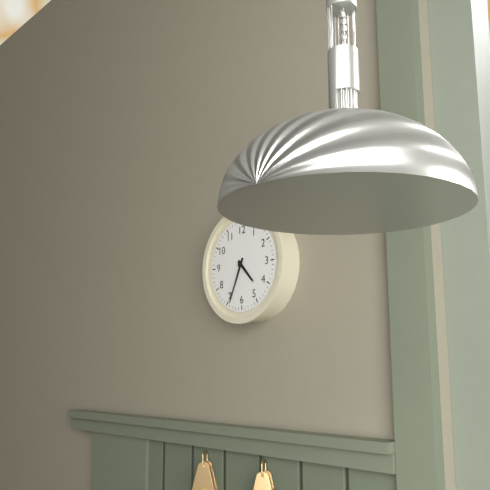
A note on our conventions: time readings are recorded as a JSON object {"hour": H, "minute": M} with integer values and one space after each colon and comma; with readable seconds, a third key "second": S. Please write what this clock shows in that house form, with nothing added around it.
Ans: {"hour": 4, "minute": 34}
